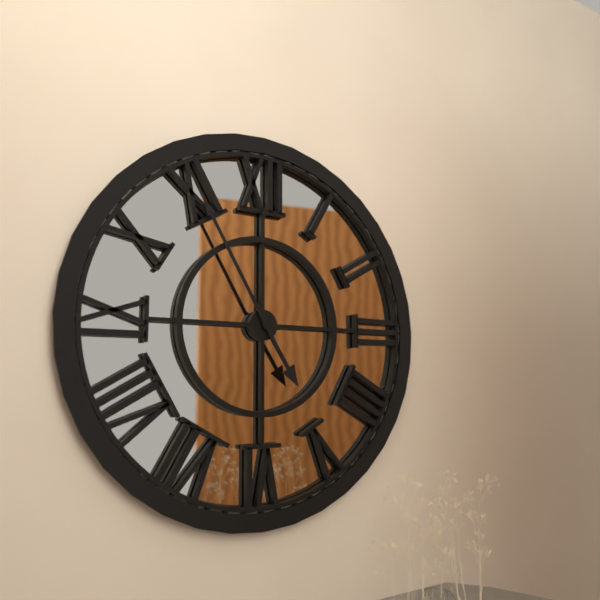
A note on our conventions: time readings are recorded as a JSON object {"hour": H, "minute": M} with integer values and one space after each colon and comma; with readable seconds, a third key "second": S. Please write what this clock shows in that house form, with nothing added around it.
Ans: {"hour": 4, "minute": 55}
